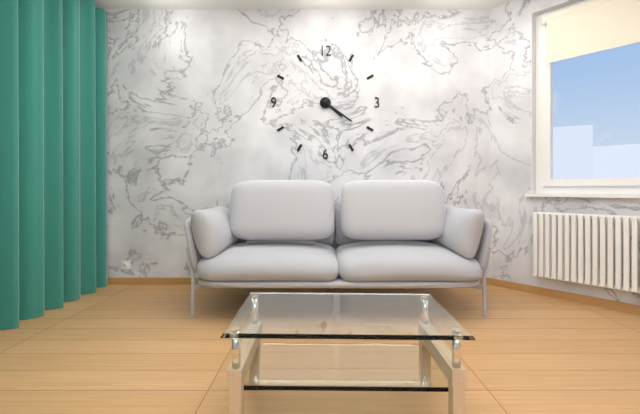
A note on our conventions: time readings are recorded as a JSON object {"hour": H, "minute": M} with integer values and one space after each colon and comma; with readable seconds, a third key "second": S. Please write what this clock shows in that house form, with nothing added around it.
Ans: {"hour": 4, "minute": 21}
